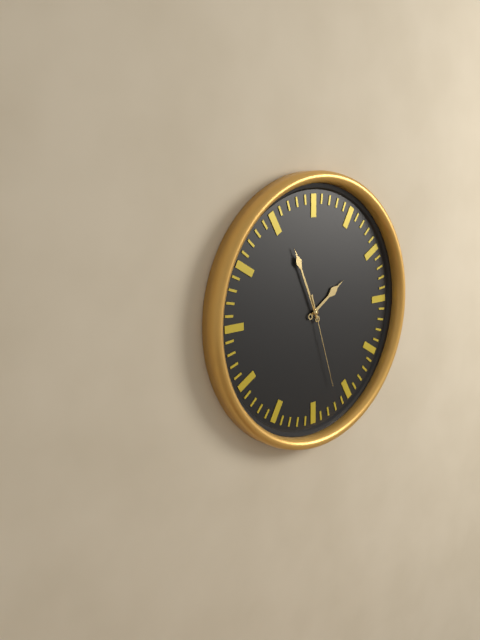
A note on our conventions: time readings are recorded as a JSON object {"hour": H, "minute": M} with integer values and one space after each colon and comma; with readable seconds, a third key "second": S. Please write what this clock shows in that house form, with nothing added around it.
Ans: {"hour": 1, "minute": 56, "second": 27}
